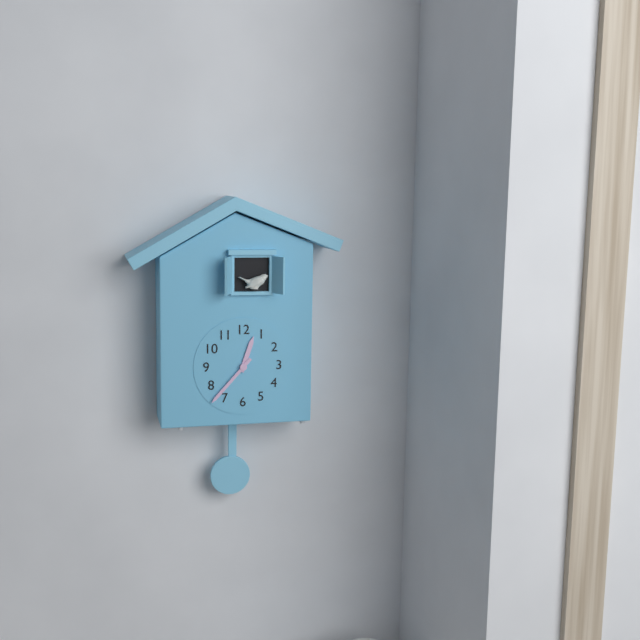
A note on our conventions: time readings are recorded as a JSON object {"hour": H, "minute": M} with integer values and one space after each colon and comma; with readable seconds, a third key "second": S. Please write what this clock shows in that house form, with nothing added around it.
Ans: {"hour": 12, "minute": 37}
